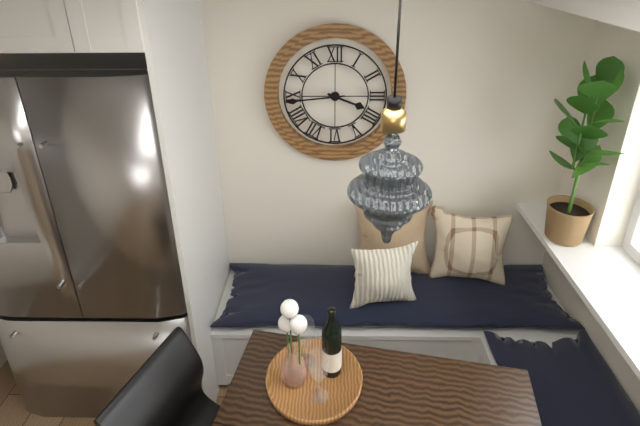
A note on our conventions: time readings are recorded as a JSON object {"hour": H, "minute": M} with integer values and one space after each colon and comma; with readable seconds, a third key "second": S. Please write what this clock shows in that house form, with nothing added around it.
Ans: {"hour": 3, "minute": 44}
